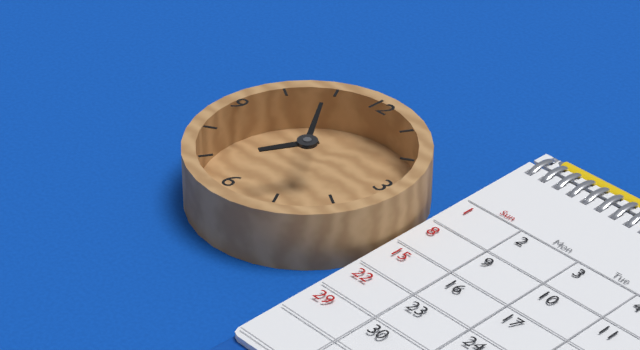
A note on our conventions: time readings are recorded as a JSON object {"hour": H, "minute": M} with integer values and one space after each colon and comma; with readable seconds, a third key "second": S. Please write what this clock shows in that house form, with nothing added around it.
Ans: {"hour": 6, "minute": 54}
